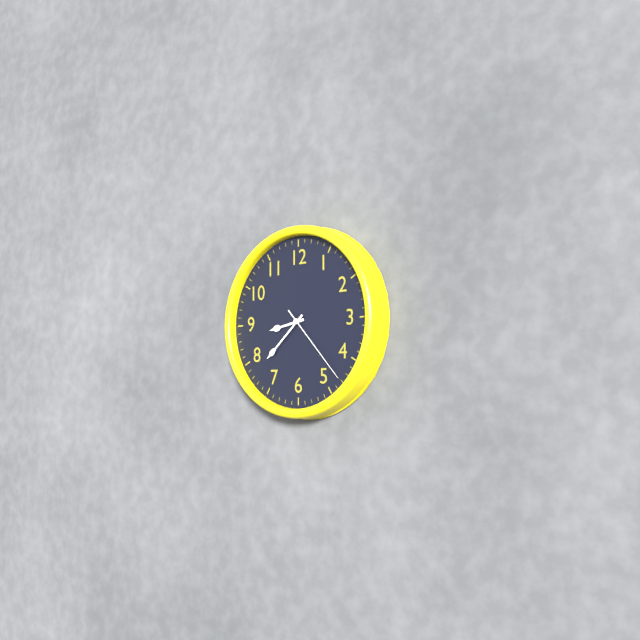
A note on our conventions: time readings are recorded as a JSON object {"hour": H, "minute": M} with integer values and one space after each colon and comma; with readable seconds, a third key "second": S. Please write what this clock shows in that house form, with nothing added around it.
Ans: {"hour": 8, "minute": 38, "second": 23}
